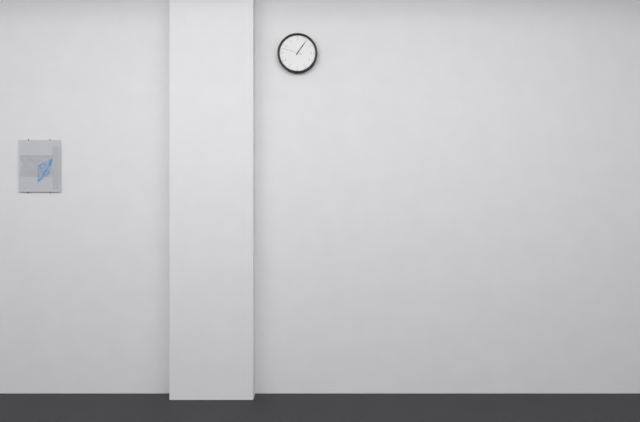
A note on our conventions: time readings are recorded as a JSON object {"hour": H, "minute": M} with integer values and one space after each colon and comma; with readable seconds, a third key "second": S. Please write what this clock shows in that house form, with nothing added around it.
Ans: {"hour": 1, "minute": 6}
